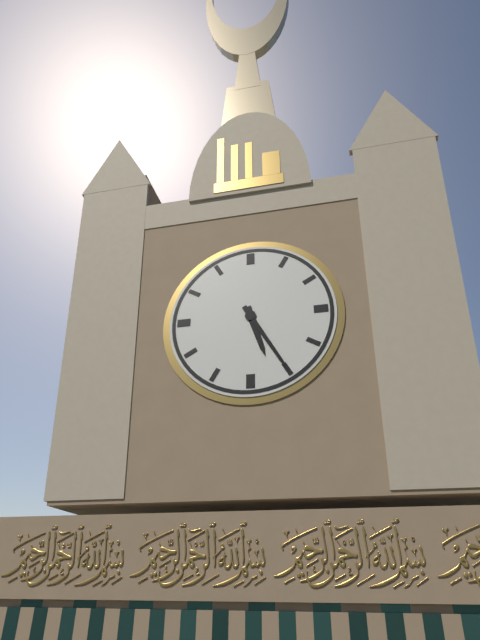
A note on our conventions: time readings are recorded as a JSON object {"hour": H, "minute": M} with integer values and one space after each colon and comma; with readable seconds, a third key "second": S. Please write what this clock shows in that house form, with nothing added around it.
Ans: {"hour": 5, "minute": 25}
